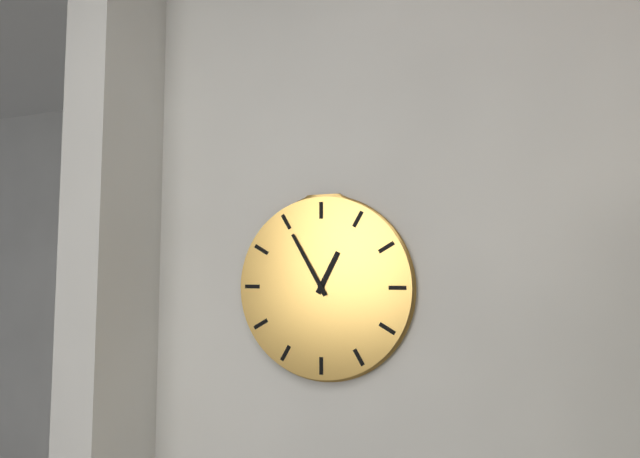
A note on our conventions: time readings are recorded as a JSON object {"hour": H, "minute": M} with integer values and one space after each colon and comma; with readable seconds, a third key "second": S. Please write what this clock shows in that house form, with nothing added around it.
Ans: {"hour": 12, "minute": 55}
